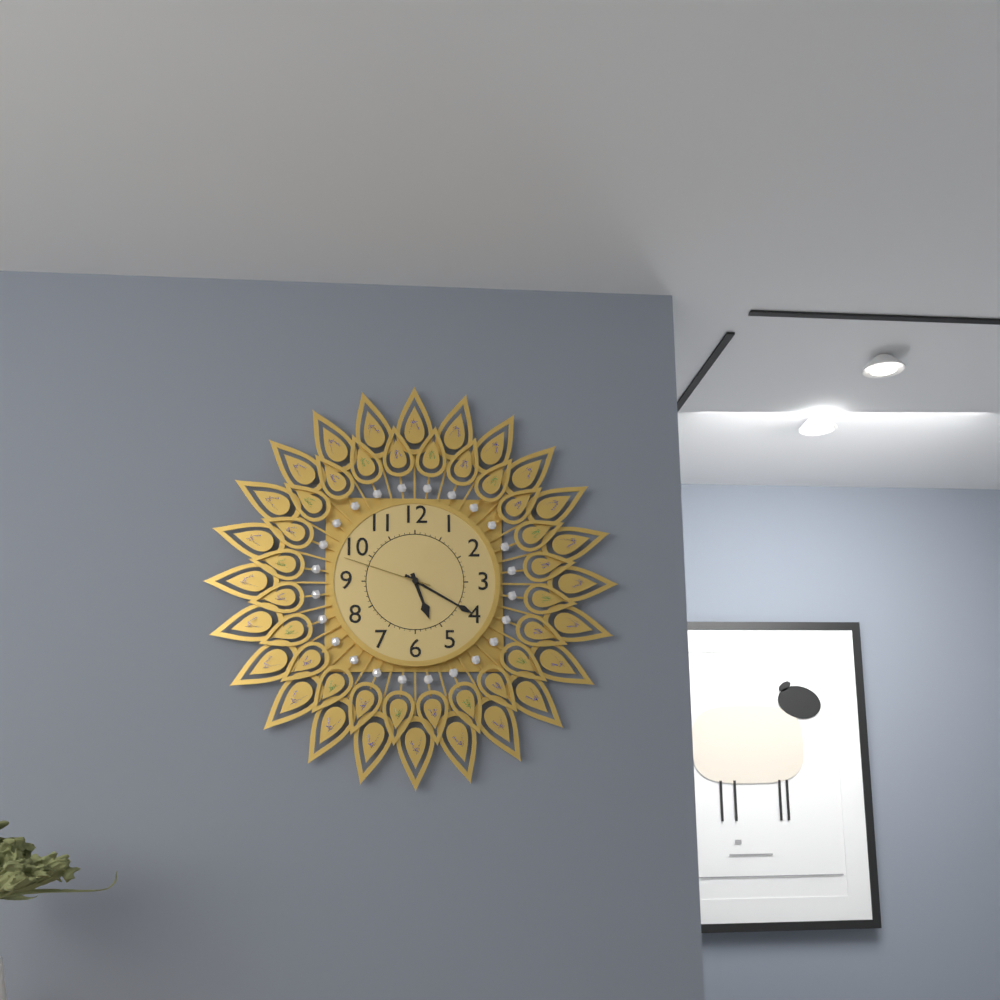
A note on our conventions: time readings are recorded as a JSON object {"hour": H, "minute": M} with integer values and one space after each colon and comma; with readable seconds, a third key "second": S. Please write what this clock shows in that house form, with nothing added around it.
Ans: {"hour": 5, "minute": 20, "second": 48}
